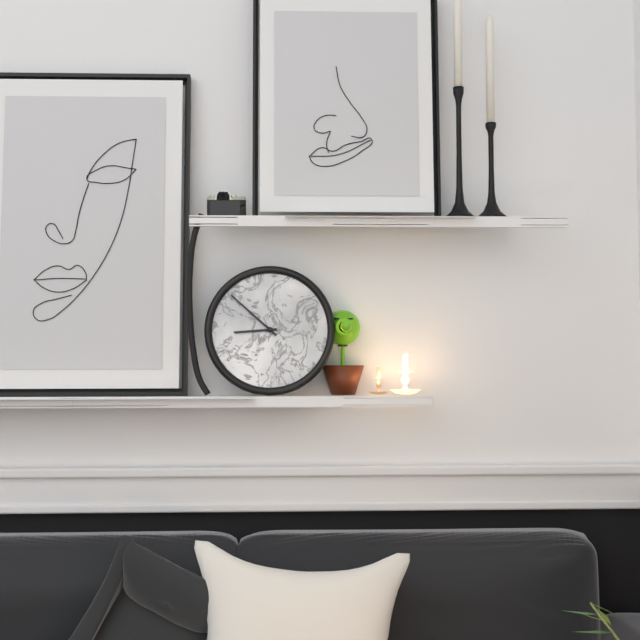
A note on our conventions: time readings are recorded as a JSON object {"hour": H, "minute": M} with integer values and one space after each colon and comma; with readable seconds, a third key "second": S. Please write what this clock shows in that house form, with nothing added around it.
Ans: {"hour": 8, "minute": 52}
